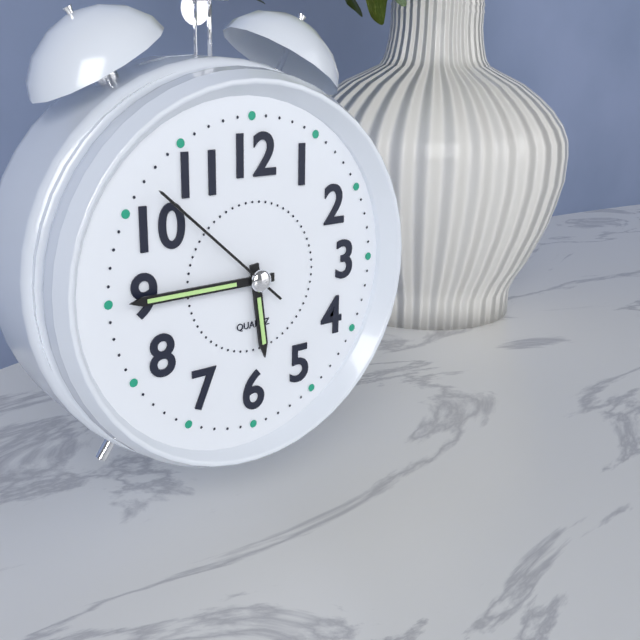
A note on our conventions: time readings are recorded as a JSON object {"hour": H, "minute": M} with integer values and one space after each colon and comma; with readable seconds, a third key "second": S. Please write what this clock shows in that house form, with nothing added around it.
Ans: {"hour": 5, "minute": 45, "second": 52}
